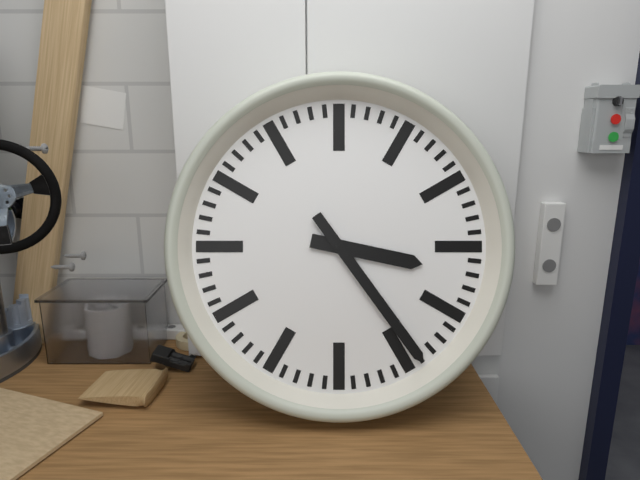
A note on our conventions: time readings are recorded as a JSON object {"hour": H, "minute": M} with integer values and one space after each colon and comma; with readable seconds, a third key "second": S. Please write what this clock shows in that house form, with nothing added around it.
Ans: {"hour": 3, "minute": 24}
